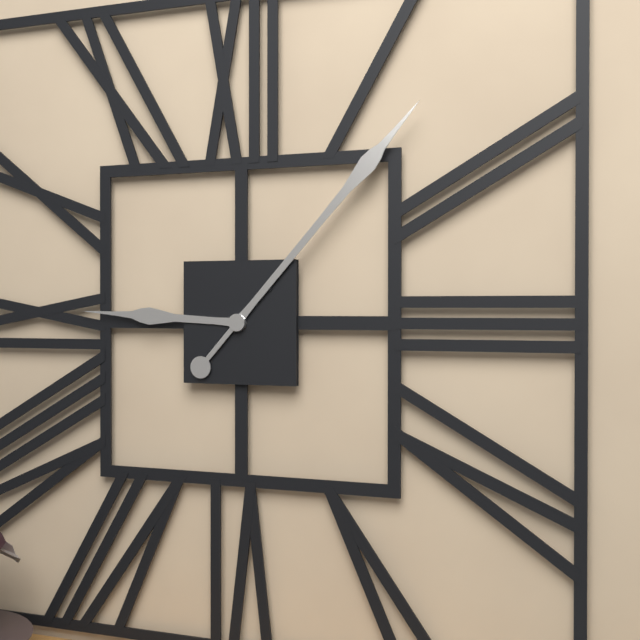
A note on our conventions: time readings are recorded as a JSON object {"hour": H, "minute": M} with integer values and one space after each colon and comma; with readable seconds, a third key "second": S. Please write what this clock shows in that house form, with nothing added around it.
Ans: {"hour": 9, "minute": 7}
